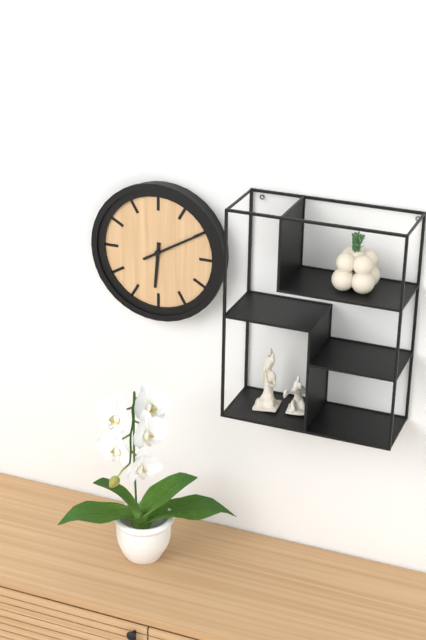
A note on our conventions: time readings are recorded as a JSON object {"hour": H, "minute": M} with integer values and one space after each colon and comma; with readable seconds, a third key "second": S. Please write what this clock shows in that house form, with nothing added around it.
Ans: {"hour": 6, "minute": 10}
